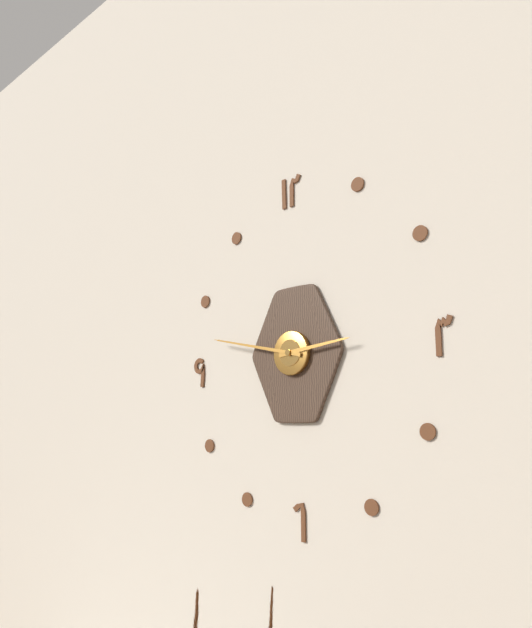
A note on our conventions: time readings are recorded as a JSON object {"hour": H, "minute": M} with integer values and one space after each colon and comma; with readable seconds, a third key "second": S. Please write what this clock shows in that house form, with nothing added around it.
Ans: {"hour": 2, "minute": 47}
